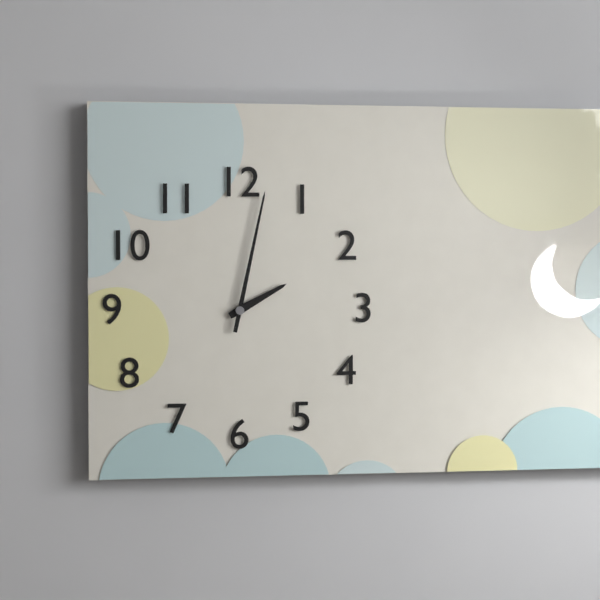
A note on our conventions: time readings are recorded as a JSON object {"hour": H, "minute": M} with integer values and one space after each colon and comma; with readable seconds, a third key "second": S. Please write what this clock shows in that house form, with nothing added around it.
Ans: {"hour": 2, "minute": 2}
